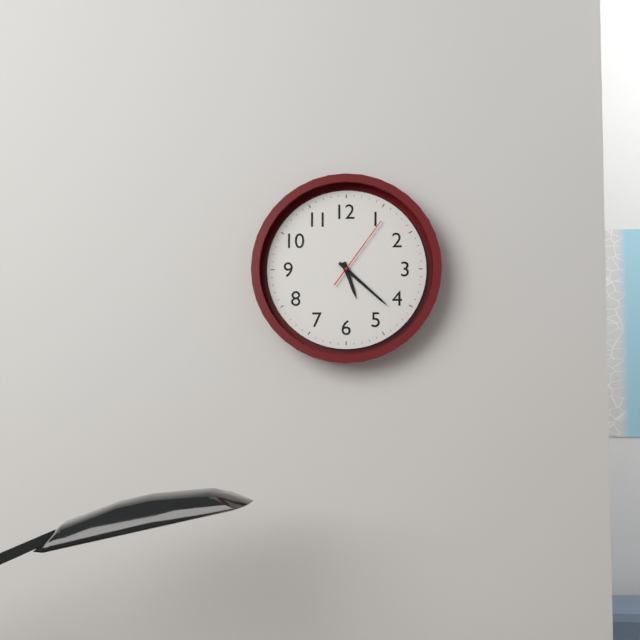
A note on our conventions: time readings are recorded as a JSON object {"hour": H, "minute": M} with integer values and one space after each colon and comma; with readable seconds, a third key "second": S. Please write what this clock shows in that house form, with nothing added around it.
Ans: {"hour": 5, "minute": 22, "second": 6}
